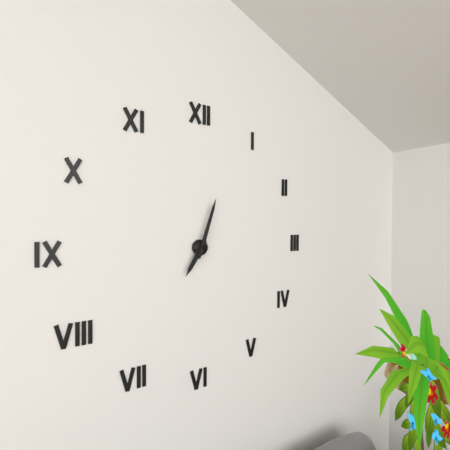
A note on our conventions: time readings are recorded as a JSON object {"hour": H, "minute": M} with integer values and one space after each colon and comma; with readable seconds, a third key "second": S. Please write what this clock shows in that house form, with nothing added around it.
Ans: {"hour": 7, "minute": 3}
